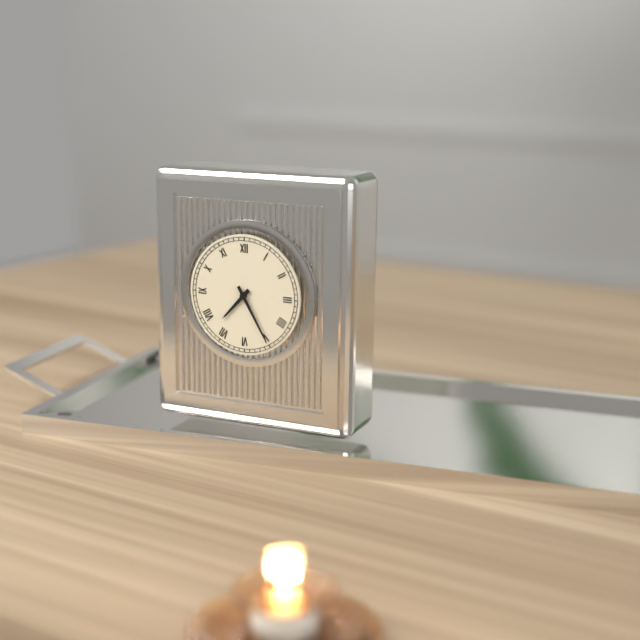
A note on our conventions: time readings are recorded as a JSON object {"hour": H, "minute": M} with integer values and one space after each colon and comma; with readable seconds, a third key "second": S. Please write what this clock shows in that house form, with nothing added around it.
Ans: {"hour": 7, "minute": 25}
